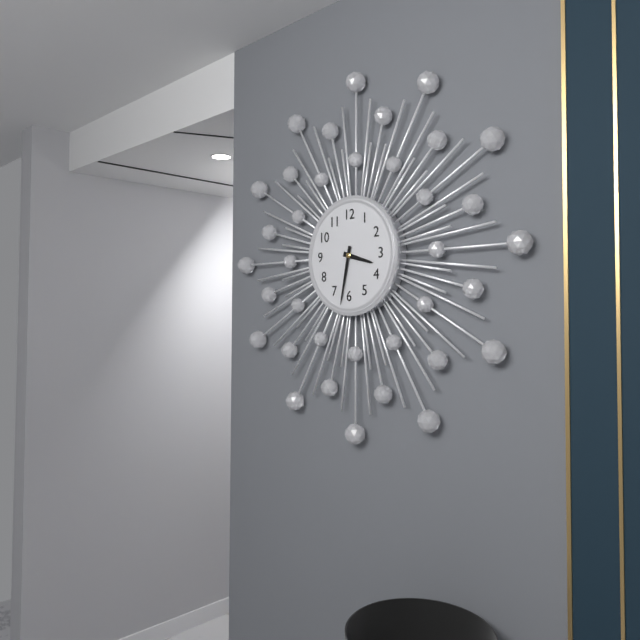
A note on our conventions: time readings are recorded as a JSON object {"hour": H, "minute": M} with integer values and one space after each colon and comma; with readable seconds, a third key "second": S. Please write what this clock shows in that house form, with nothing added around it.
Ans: {"hour": 3, "minute": 32}
